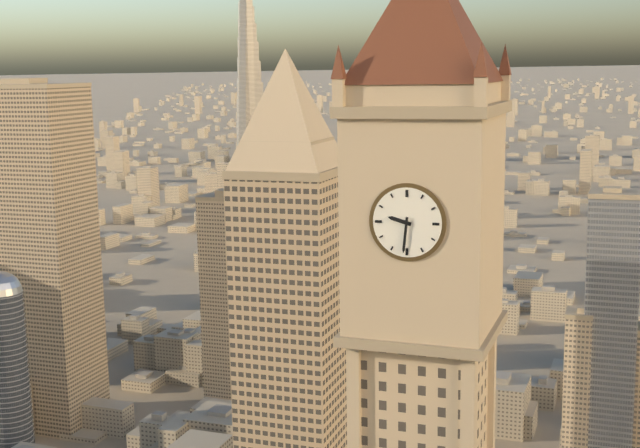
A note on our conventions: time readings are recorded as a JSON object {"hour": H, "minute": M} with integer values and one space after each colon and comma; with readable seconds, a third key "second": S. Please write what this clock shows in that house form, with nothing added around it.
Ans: {"hour": 9, "minute": 31}
